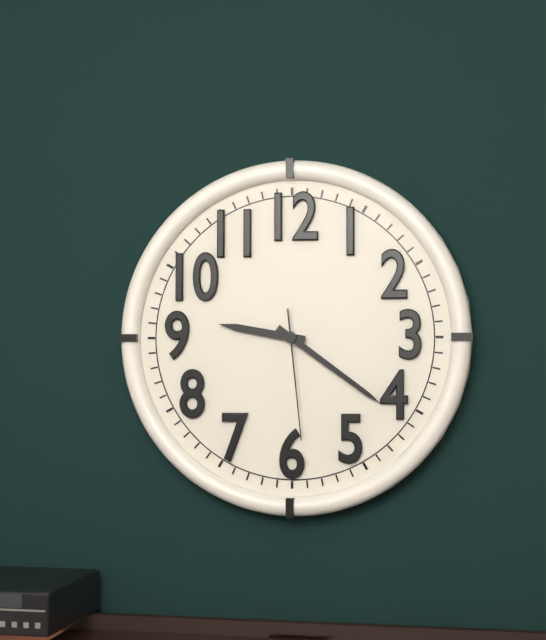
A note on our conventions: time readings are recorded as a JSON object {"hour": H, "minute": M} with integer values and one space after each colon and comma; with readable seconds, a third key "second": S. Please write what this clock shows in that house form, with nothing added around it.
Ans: {"hour": 9, "minute": 21, "second": 29}
